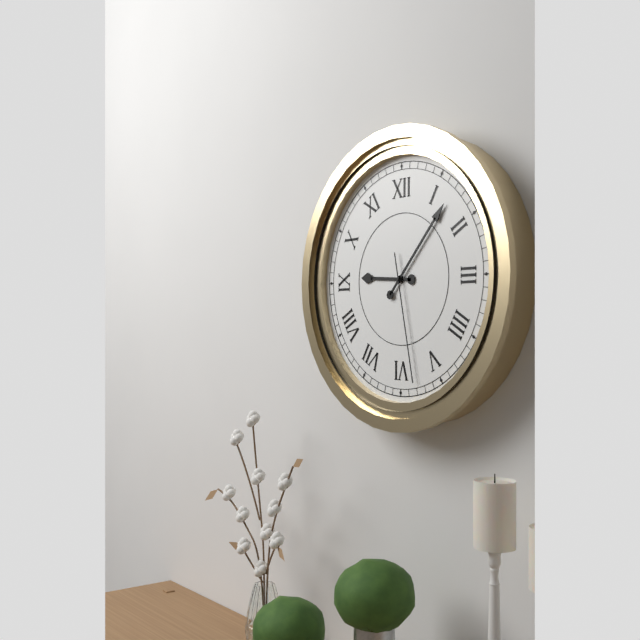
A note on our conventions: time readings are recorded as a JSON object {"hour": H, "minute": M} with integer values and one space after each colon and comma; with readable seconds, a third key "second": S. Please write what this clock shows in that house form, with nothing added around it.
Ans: {"hour": 9, "minute": 7, "second": 28}
